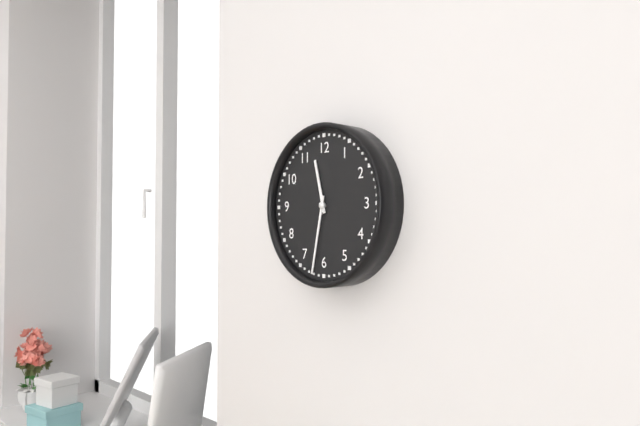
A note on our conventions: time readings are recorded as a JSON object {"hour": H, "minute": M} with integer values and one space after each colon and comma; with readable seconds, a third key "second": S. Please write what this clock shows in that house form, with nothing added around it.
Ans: {"hour": 11, "minute": 32}
